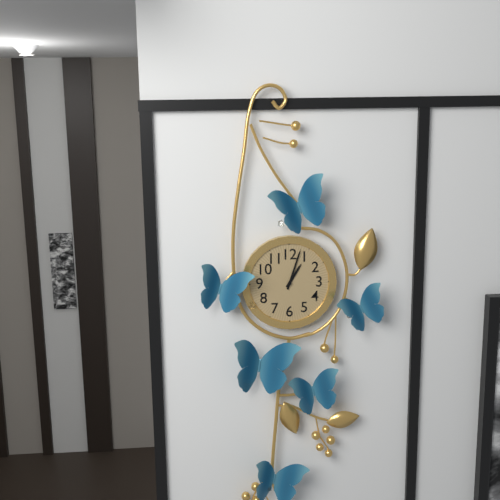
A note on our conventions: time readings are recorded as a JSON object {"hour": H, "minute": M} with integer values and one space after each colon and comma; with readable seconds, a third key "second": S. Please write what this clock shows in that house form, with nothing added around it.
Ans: {"hour": 1, "minute": 3}
